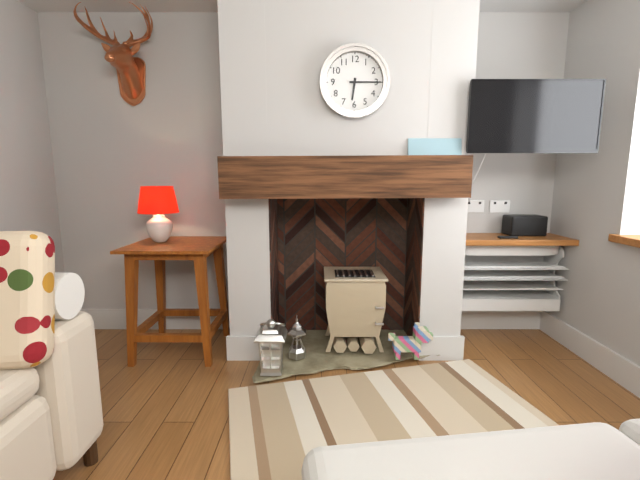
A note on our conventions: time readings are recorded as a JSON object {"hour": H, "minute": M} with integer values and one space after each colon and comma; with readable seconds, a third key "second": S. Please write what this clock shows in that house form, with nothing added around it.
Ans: {"hour": 6, "minute": 15}
